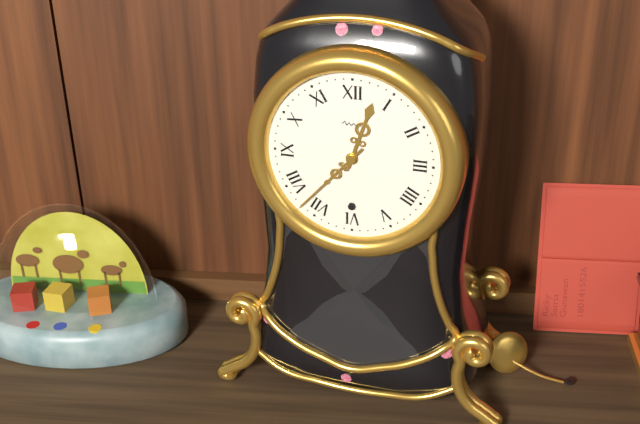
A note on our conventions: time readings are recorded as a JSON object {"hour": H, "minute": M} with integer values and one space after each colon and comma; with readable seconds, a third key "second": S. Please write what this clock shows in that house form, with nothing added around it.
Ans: {"hour": 12, "minute": 37}
